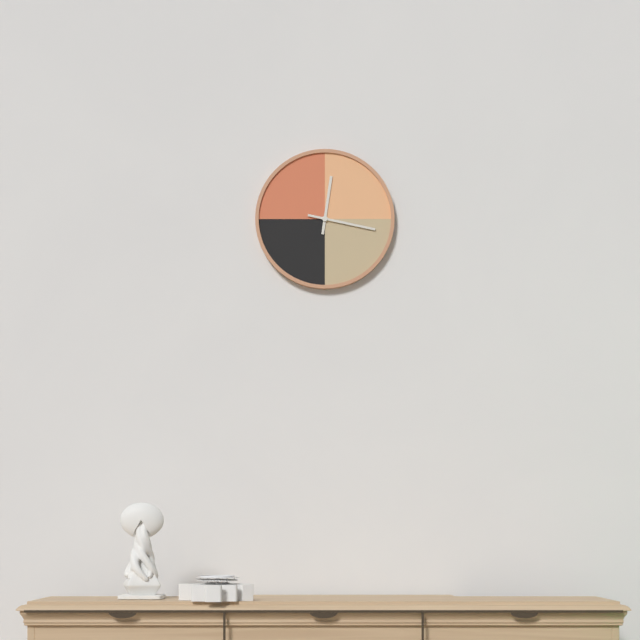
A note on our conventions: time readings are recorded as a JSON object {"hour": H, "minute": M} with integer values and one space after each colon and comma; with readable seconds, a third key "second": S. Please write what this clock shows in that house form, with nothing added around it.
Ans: {"hour": 12, "minute": 17}
